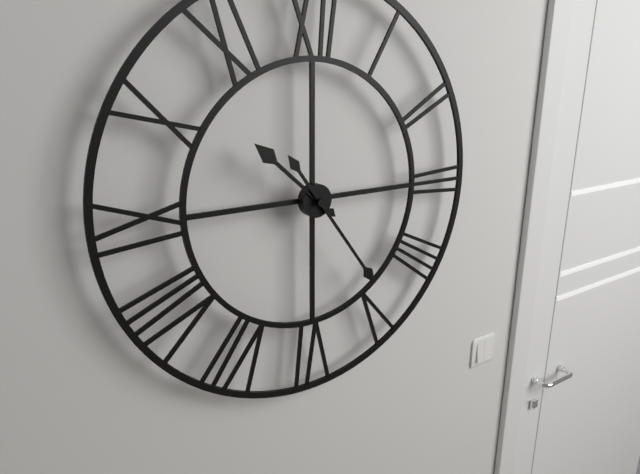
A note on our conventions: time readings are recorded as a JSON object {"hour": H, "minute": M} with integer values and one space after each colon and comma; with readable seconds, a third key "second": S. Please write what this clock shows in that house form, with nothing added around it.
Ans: {"hour": 10, "minute": 24}
